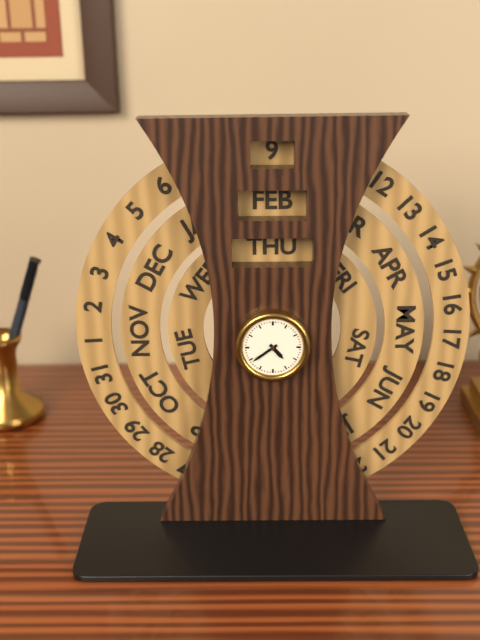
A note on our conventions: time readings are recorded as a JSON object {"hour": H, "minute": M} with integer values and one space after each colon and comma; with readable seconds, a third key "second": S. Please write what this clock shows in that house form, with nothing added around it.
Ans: {"hour": 4, "minute": 39}
